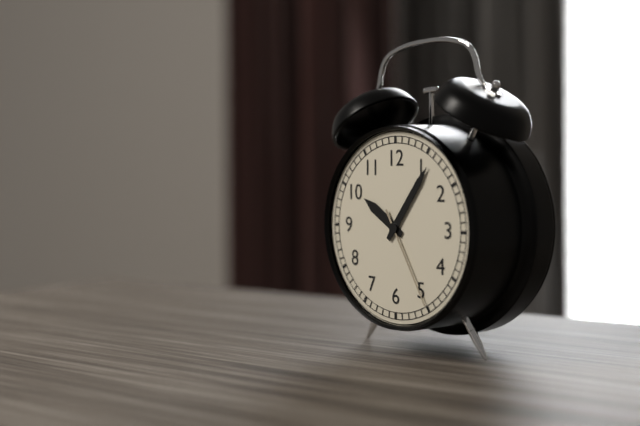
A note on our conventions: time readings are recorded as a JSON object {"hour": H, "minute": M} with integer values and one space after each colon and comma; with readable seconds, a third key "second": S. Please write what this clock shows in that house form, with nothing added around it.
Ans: {"hour": 10, "minute": 6, "second": 25}
